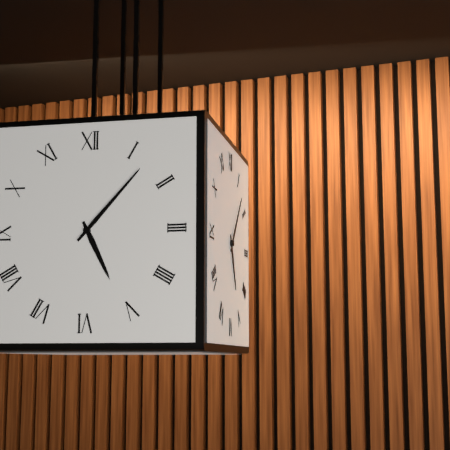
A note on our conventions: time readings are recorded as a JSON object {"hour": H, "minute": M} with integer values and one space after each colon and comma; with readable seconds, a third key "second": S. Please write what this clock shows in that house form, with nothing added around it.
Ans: {"hour": 5, "minute": 7}
